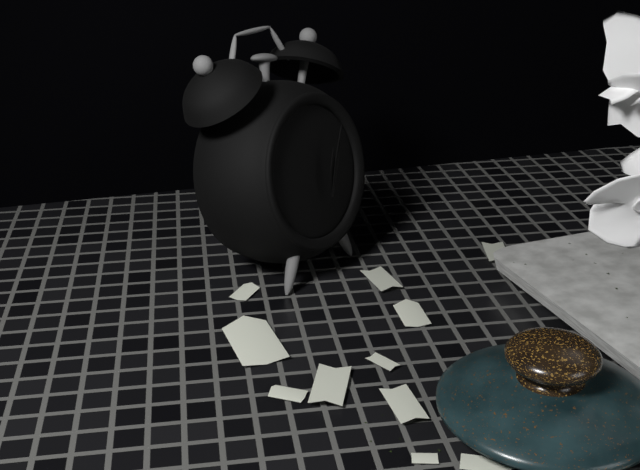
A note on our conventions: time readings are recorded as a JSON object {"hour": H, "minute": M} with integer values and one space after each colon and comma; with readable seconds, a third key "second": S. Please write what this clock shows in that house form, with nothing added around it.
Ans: {"hour": 12, "minute": 2}
